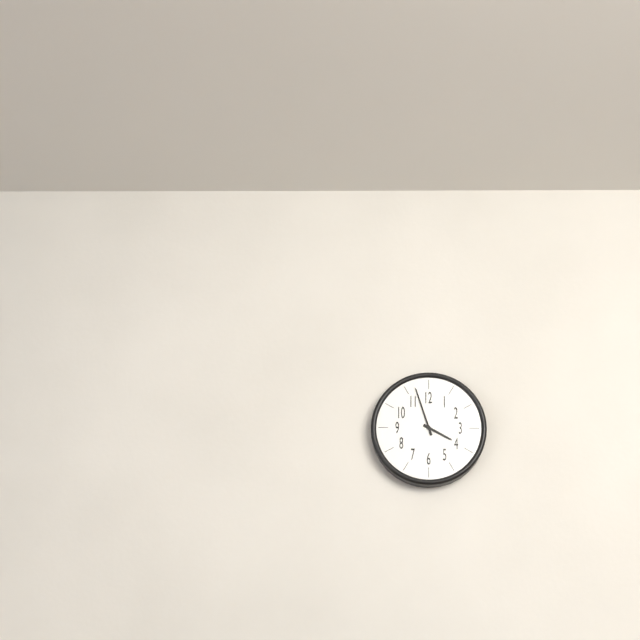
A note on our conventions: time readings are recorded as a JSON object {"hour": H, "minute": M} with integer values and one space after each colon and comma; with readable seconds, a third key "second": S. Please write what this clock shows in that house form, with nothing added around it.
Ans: {"hour": 3, "minute": 57}
